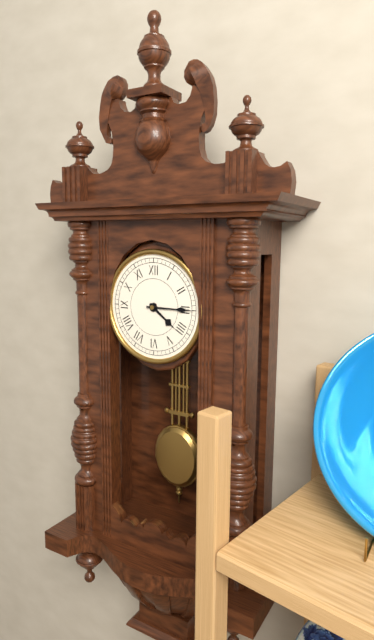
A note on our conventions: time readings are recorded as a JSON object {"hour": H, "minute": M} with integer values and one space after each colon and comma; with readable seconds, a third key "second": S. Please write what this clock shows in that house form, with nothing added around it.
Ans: {"hour": 4, "minute": 15}
